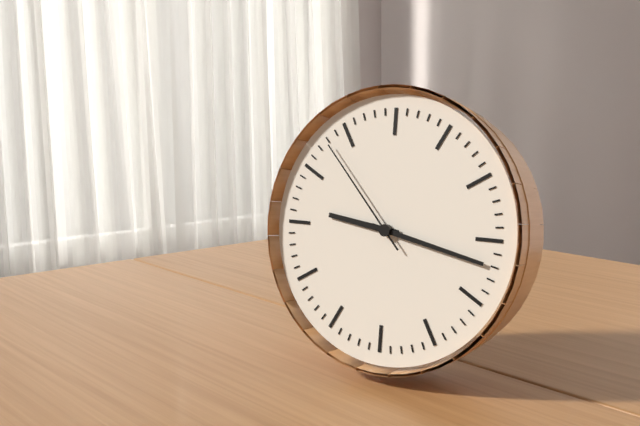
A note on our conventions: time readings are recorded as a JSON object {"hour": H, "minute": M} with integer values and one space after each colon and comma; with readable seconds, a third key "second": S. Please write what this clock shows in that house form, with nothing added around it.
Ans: {"hour": 9, "minute": 17, "second": 53}
